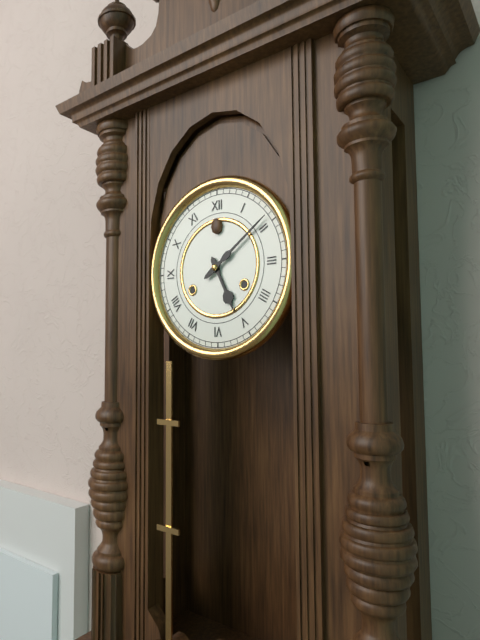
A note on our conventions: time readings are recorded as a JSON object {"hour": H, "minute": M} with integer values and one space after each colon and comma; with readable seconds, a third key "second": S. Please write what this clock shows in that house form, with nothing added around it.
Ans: {"hour": 5, "minute": 9}
